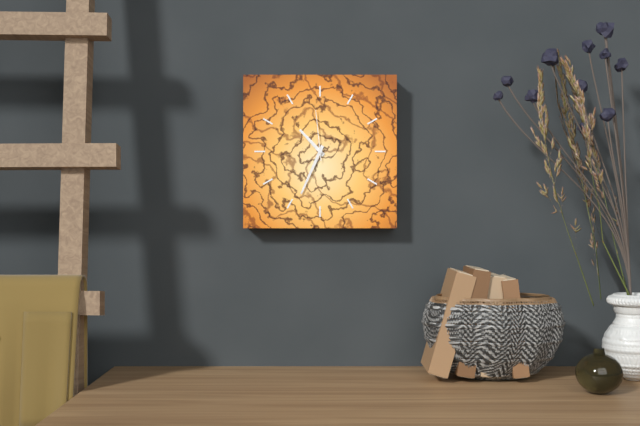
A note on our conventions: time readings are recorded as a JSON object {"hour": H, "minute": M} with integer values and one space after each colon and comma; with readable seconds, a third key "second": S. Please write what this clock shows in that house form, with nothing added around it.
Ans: {"hour": 10, "minute": 34, "second": 59}
